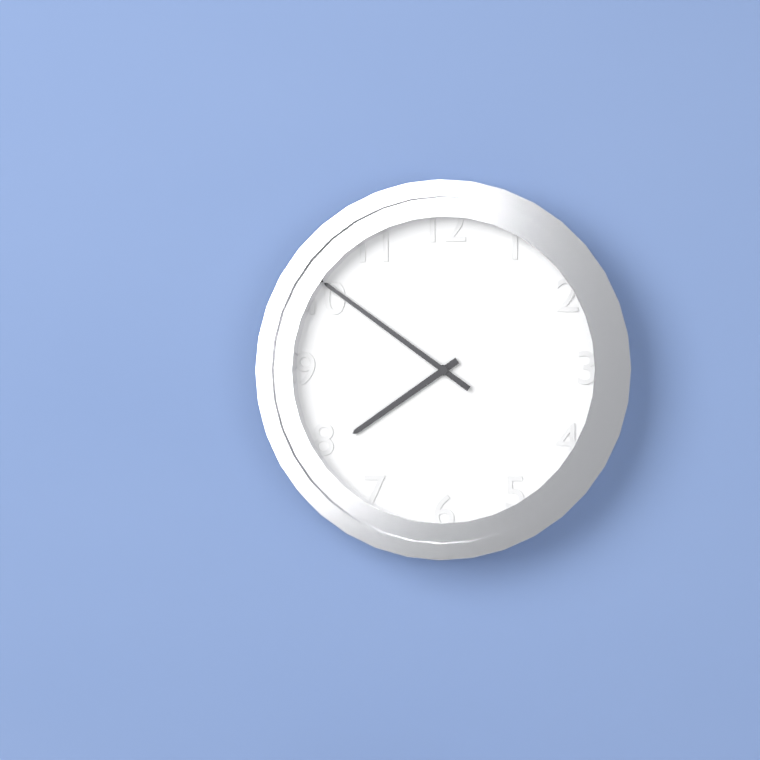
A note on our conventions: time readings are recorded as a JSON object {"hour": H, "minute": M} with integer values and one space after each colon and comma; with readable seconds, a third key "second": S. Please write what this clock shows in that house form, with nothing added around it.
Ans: {"hour": 7, "minute": 51}
